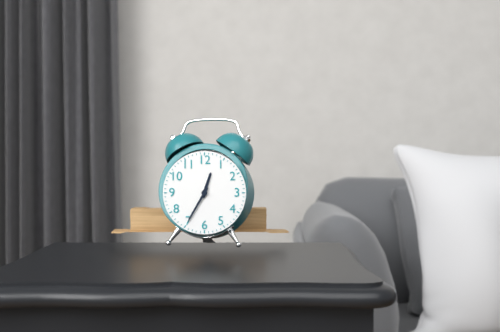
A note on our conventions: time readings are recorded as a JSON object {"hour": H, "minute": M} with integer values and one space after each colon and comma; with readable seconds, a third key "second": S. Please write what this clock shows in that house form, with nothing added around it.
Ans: {"hour": 12, "minute": 35}
